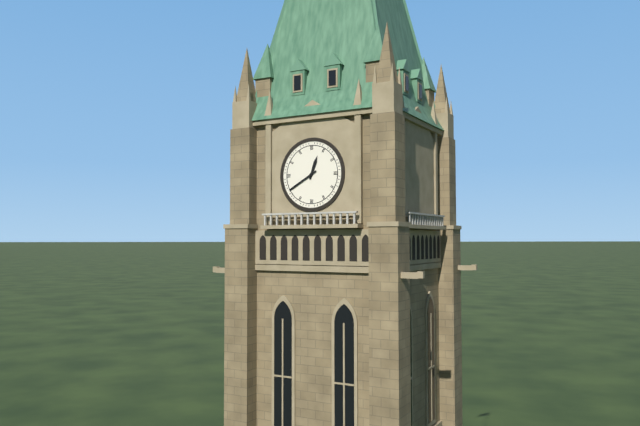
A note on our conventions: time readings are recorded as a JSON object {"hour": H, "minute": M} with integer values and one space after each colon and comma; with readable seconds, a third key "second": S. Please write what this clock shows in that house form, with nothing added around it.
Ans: {"hour": 12, "minute": 40}
